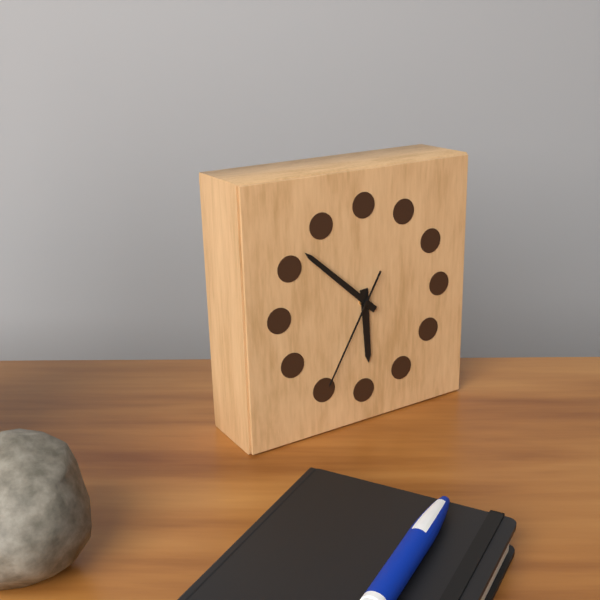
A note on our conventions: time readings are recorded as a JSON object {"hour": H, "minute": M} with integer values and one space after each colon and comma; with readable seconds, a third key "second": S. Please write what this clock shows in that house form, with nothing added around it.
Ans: {"hour": 5, "minute": 52, "second": 35}
